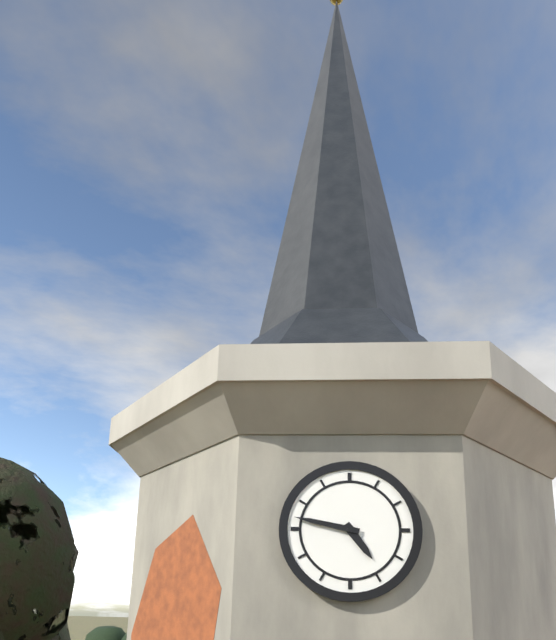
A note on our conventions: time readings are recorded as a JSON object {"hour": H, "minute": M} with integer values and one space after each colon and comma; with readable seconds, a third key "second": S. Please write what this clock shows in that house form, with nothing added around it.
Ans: {"hour": 4, "minute": 47}
